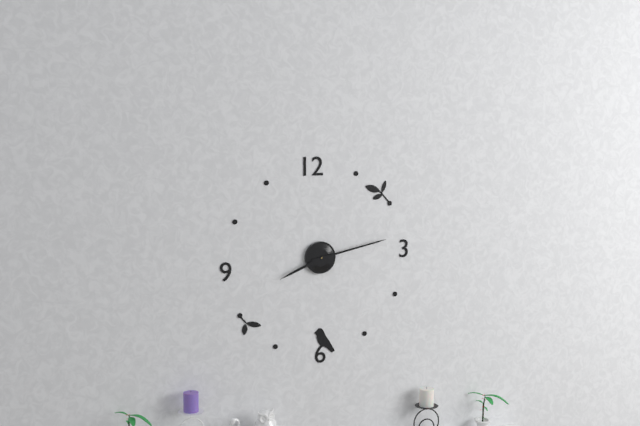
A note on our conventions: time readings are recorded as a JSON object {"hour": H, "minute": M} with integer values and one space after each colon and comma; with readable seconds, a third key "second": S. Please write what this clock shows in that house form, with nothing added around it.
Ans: {"hour": 8, "minute": 13}
